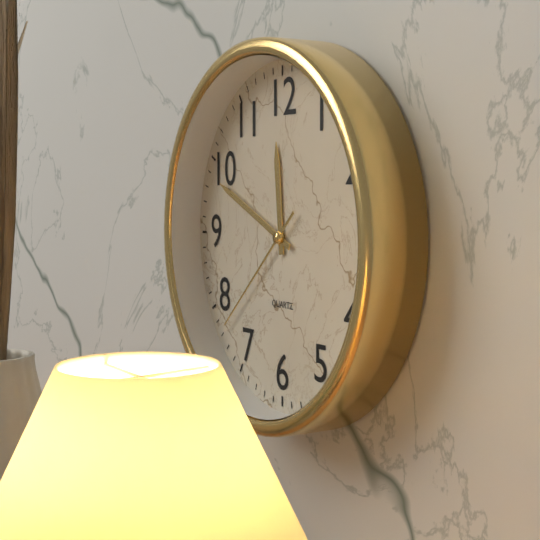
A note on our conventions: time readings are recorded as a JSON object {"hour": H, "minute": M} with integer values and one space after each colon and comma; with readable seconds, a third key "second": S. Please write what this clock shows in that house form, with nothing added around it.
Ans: {"hour": 11, "minute": 49, "second": 38}
